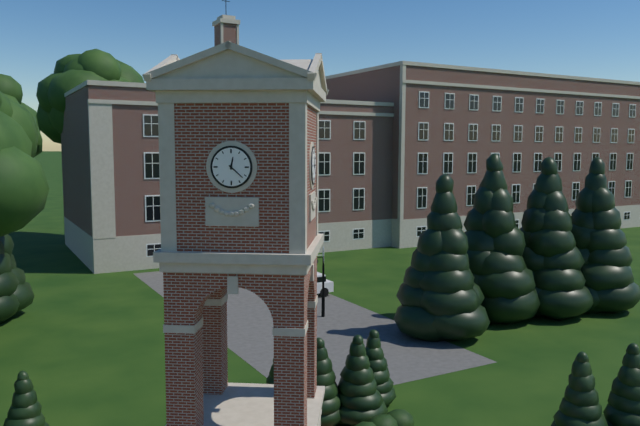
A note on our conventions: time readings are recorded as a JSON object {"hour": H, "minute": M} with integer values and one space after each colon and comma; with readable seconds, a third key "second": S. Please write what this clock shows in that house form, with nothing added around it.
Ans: {"hour": 12, "minute": 22}
